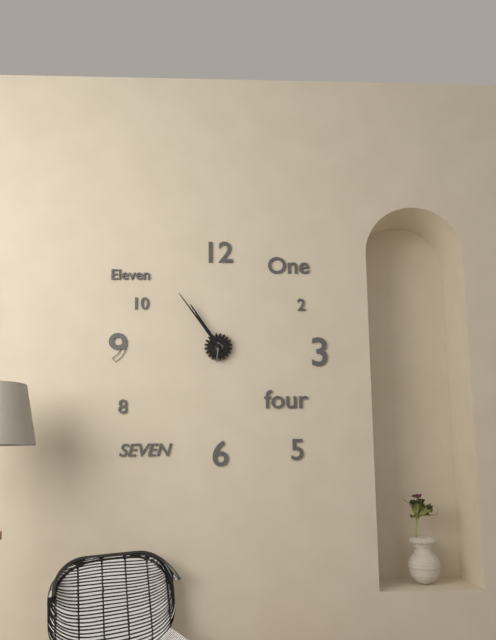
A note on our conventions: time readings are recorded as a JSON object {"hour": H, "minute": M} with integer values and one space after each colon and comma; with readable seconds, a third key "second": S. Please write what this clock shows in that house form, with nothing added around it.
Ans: {"hour": 10, "minute": 54}
